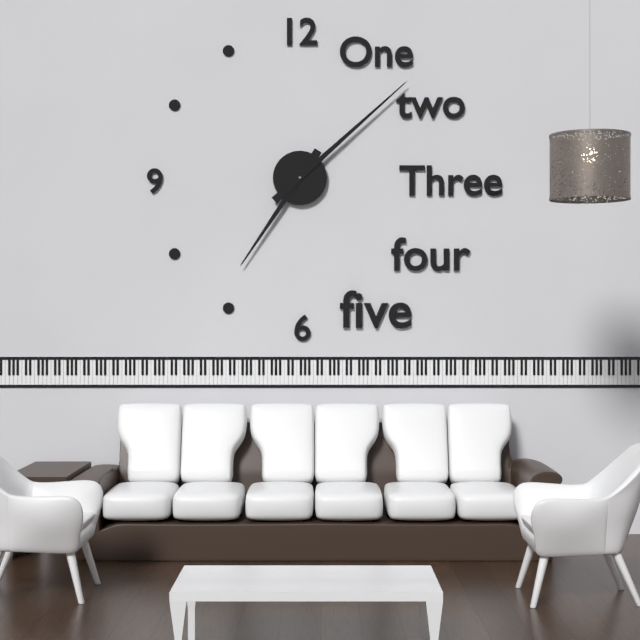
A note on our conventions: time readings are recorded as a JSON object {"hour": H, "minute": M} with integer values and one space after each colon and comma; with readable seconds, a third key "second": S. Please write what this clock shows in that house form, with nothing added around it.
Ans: {"hour": 7, "minute": 8}
